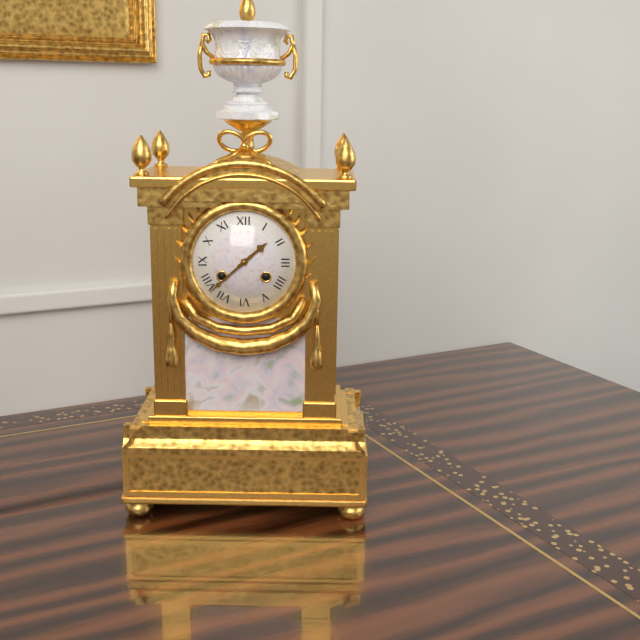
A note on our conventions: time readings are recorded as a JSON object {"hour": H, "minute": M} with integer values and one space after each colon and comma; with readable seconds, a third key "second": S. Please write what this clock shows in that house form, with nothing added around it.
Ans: {"hour": 1, "minute": 38}
